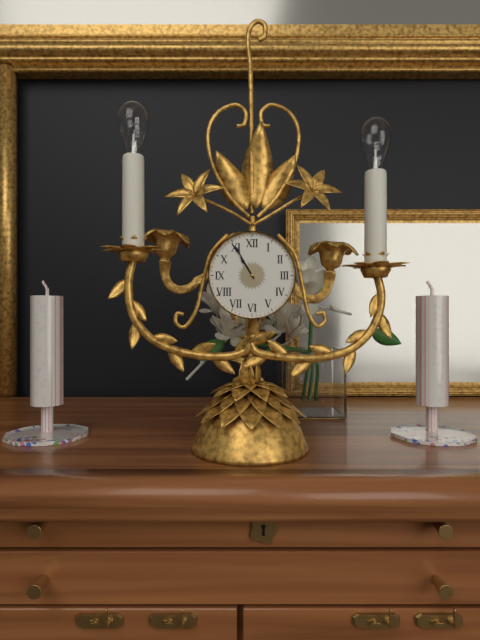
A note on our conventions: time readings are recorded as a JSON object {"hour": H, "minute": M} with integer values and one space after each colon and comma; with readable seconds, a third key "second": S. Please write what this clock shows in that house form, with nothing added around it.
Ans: {"hour": 10, "minute": 55}
